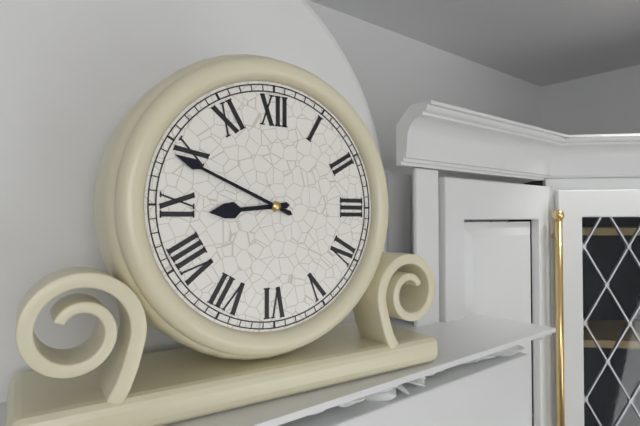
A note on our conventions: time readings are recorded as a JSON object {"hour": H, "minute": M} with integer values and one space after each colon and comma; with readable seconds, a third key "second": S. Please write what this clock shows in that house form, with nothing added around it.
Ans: {"hour": 8, "minute": 49}
